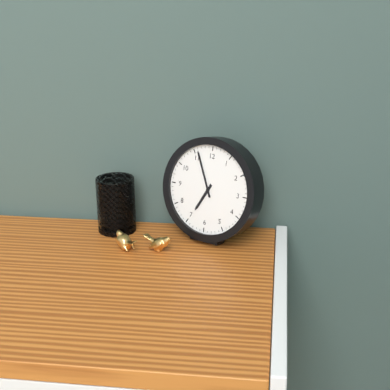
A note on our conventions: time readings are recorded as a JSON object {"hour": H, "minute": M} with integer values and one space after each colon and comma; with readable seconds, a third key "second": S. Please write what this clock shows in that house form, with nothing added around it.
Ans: {"hour": 6, "minute": 56}
